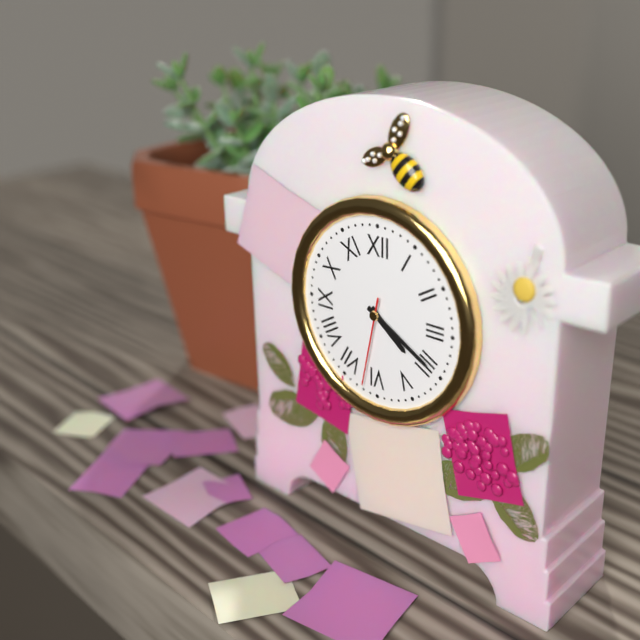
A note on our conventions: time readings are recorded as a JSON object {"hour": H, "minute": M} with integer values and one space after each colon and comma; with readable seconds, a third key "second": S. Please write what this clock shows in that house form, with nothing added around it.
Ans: {"hour": 4, "minute": 20, "second": 32}
